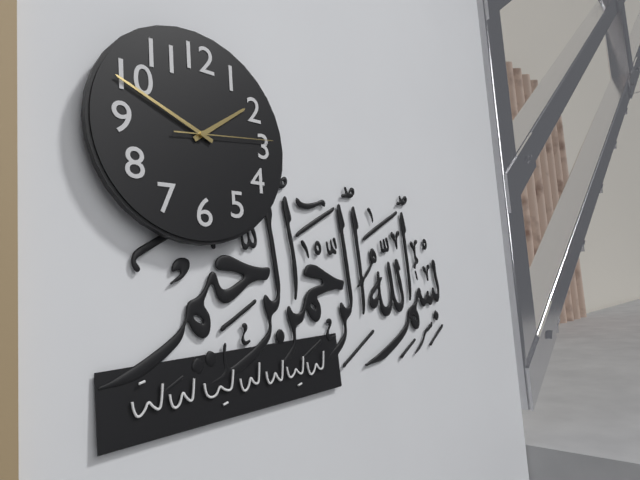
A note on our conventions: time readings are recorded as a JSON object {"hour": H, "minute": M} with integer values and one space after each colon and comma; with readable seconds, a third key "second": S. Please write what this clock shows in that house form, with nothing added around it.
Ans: {"hour": 1, "minute": 49, "second": 14}
